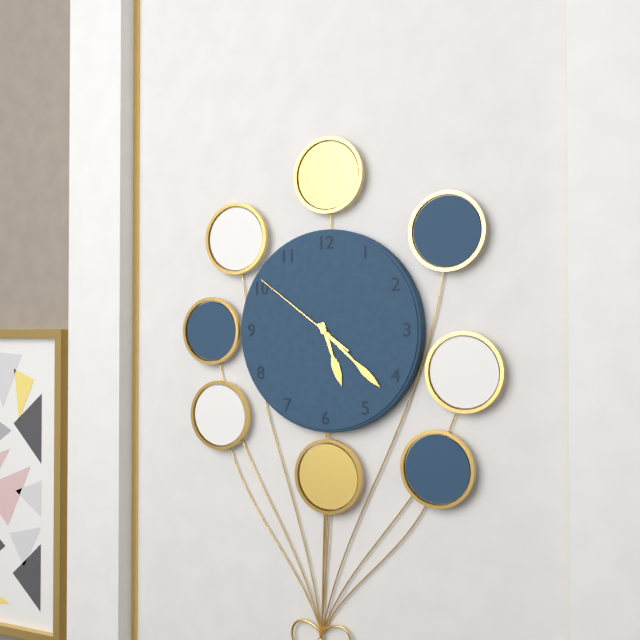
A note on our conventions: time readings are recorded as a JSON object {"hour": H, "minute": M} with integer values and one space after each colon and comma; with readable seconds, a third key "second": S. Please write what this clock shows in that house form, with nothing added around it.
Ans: {"hour": 5, "minute": 22, "second": 51}
